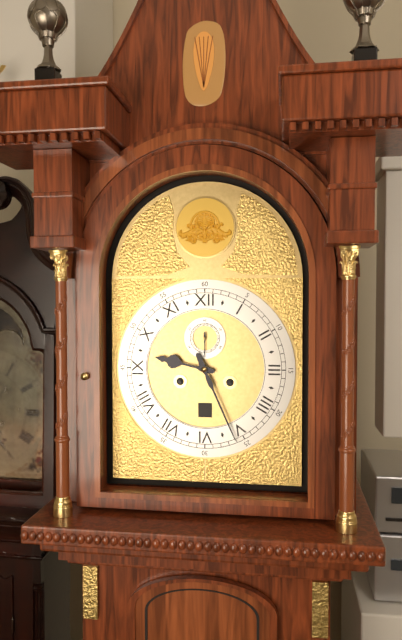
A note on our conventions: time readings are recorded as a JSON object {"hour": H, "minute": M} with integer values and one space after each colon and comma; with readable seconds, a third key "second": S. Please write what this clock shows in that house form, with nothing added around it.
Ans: {"hour": 9, "minute": 26}
